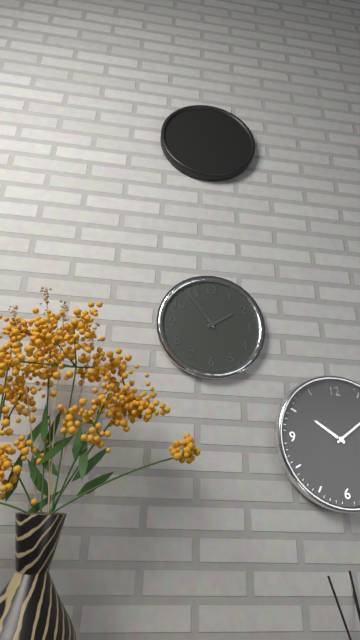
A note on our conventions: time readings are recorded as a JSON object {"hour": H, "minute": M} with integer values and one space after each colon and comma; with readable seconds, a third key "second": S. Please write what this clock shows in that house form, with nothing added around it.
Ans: {"hour": 1, "minute": 54, "second": 56}
